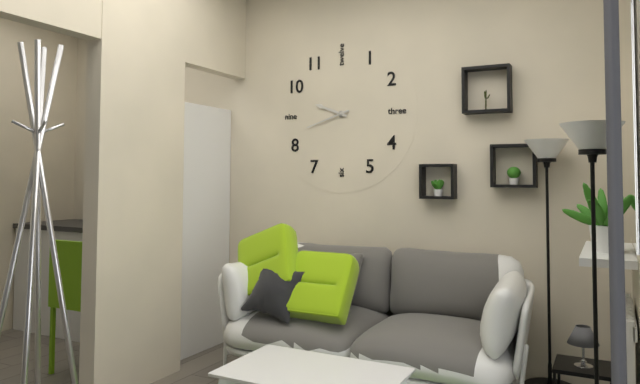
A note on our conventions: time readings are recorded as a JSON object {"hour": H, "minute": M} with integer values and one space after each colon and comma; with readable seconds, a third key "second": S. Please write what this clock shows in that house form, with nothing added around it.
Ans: {"hour": 9, "minute": 42}
